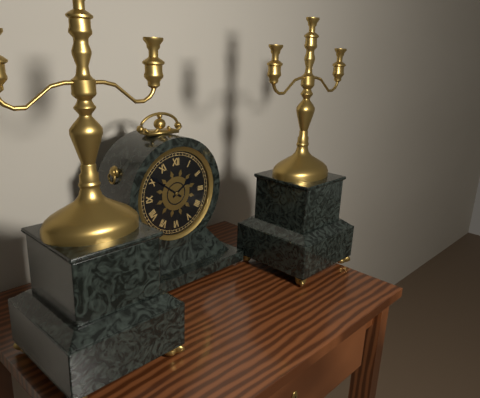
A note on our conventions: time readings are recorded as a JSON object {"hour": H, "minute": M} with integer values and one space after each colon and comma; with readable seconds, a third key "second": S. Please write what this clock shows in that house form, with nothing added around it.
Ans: {"hour": 1, "minute": 51}
